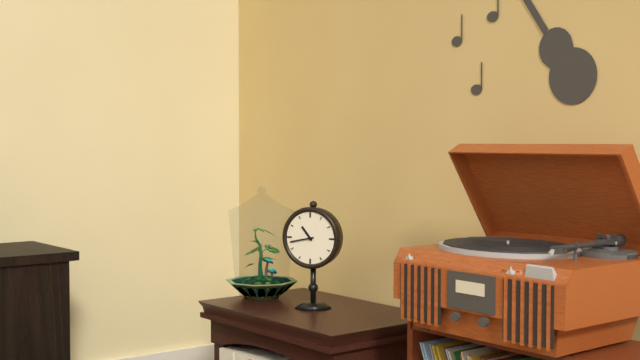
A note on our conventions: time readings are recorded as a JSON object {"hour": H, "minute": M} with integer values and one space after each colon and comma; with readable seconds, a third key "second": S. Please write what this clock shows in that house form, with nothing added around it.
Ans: {"hour": 10, "minute": 43}
